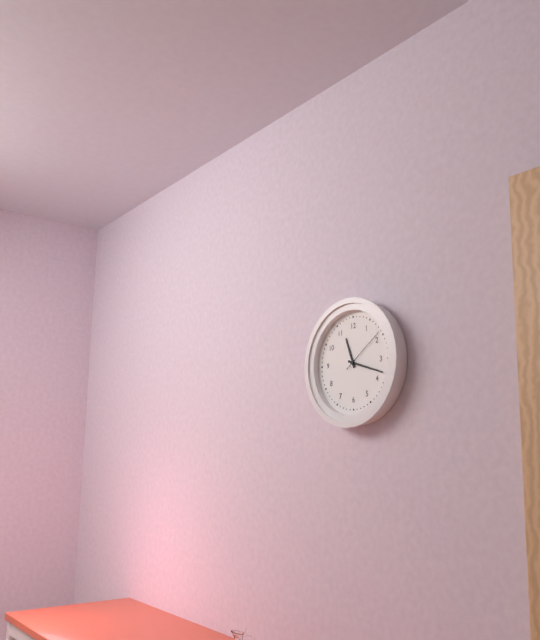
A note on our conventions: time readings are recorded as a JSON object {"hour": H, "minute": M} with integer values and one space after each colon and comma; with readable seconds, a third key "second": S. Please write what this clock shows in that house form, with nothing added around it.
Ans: {"hour": 11, "minute": 18, "second": 9}
